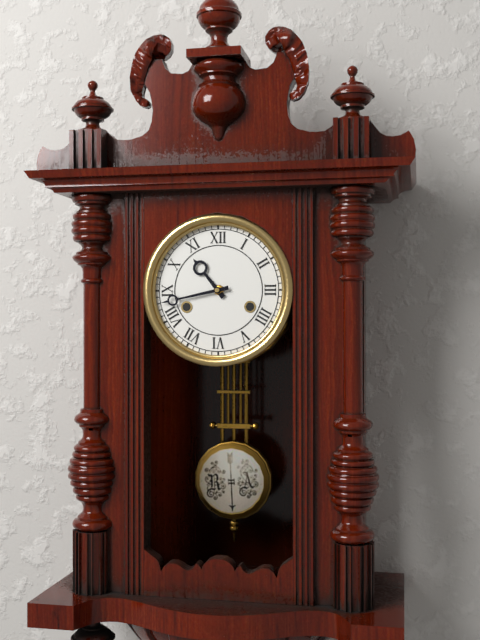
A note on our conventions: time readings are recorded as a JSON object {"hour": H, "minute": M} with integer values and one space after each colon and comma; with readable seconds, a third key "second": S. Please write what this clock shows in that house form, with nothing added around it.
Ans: {"hour": 10, "minute": 43}
